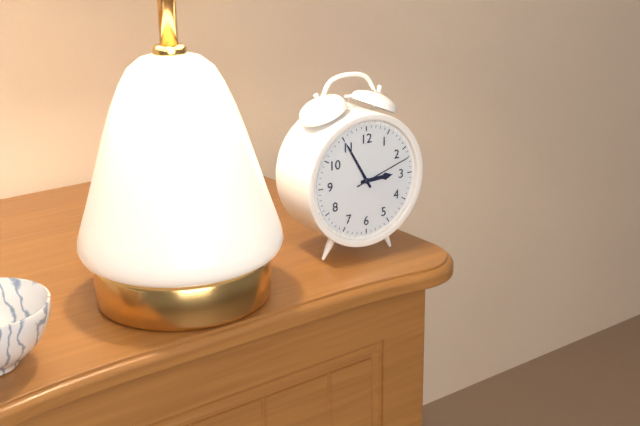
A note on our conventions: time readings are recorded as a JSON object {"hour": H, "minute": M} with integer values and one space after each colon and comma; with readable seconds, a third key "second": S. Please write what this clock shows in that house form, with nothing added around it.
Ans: {"hour": 2, "minute": 55, "second": 12}
